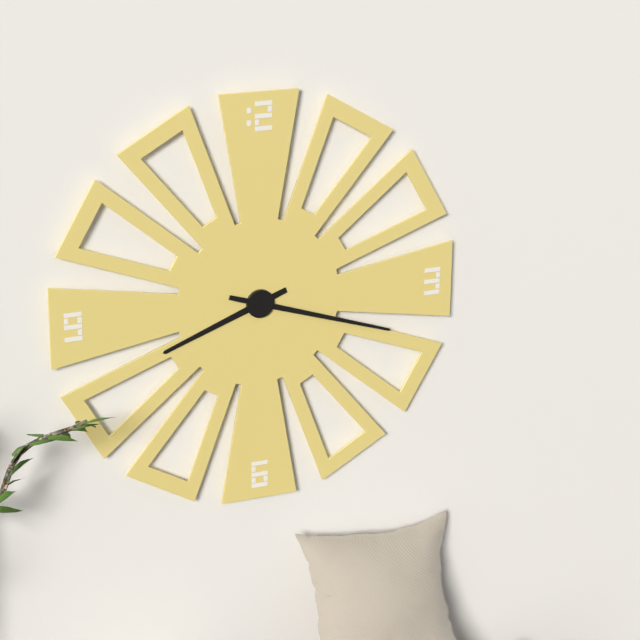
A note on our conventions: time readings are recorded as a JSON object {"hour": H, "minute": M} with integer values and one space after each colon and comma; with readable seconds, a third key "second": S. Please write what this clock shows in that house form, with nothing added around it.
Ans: {"hour": 8, "minute": 18}
